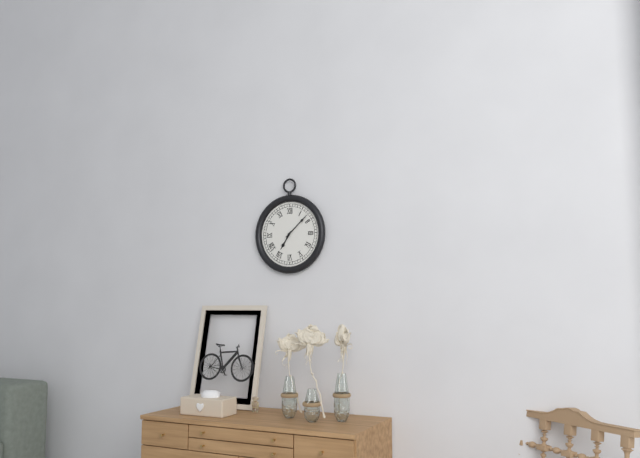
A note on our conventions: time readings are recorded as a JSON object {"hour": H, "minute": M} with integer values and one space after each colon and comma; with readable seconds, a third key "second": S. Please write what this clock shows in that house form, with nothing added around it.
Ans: {"hour": 7, "minute": 8}
